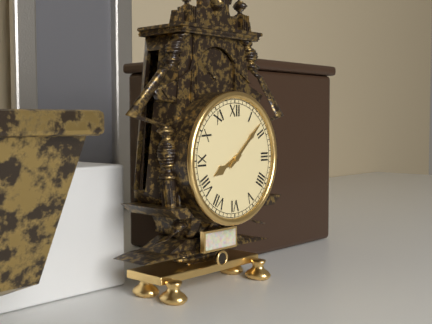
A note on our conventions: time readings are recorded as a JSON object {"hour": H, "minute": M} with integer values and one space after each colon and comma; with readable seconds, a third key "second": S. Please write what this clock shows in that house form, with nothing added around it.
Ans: {"hour": 8, "minute": 8}
